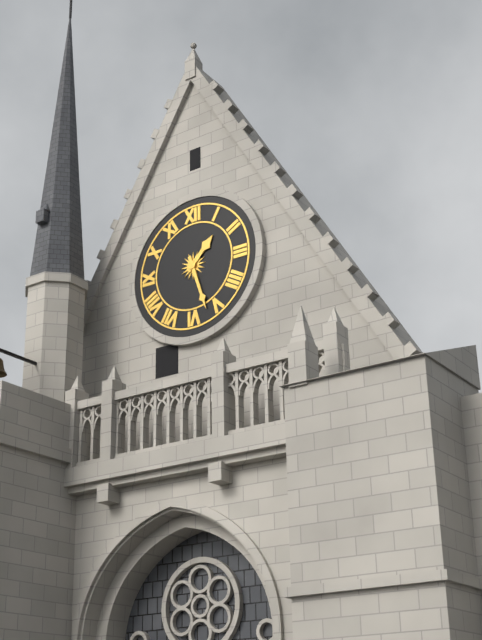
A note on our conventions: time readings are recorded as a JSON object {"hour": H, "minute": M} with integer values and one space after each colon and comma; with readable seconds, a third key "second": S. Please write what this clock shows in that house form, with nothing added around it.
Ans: {"hour": 1, "minute": 27}
